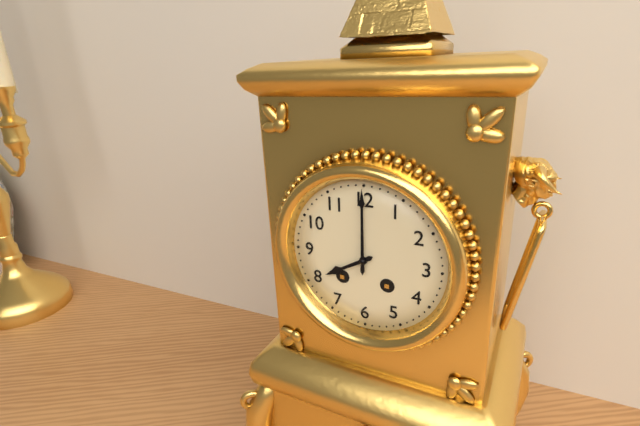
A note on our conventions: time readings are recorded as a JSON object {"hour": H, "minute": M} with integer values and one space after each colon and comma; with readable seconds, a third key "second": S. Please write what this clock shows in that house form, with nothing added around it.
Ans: {"hour": 8, "minute": 0}
